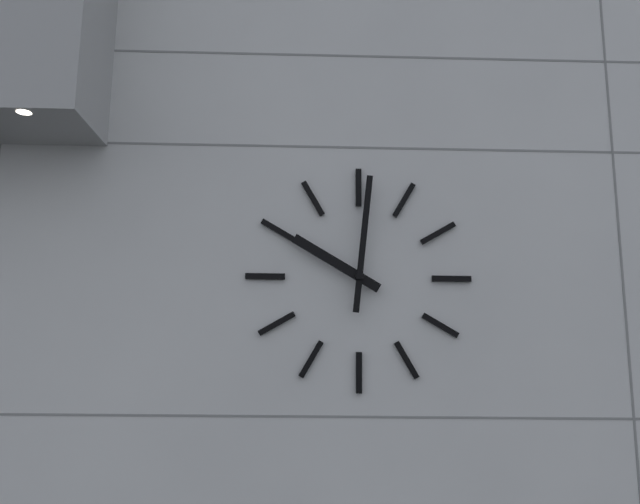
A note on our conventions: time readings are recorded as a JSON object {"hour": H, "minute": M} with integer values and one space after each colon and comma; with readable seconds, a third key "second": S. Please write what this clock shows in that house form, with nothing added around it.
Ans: {"hour": 10, "minute": 1}
